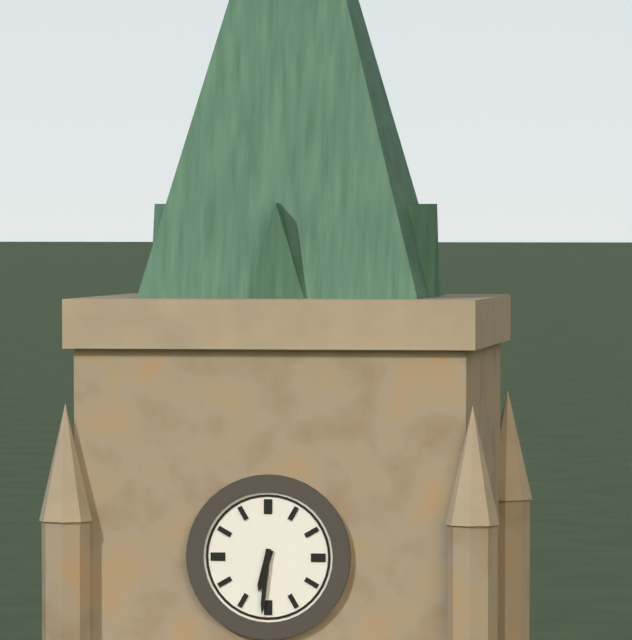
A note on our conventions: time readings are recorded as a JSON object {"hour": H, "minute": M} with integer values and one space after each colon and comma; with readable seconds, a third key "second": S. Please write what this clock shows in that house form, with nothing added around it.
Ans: {"hour": 6, "minute": 31}
